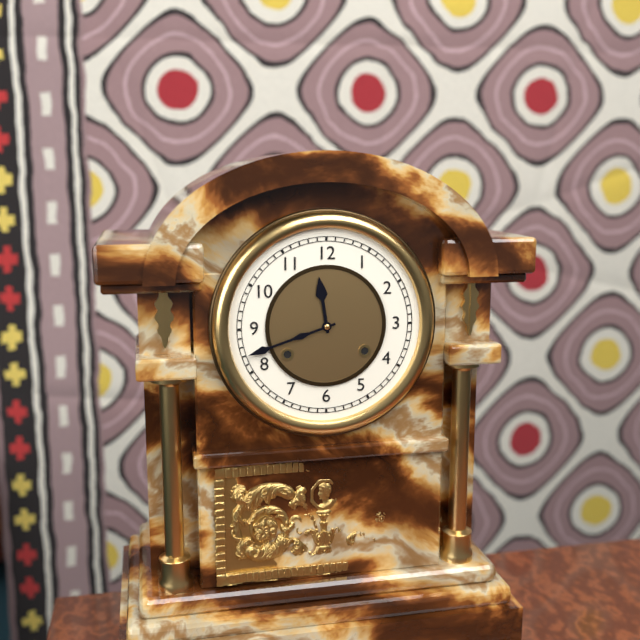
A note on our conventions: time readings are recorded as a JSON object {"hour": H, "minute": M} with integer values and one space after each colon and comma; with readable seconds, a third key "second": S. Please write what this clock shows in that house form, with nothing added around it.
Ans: {"hour": 11, "minute": 42}
